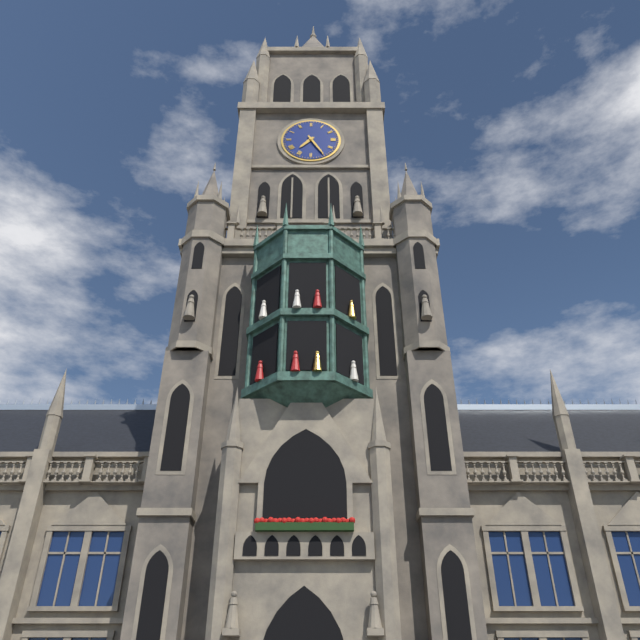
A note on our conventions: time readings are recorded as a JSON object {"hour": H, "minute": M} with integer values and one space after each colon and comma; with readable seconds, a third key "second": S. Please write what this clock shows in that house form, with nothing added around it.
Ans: {"hour": 7, "minute": 25}
